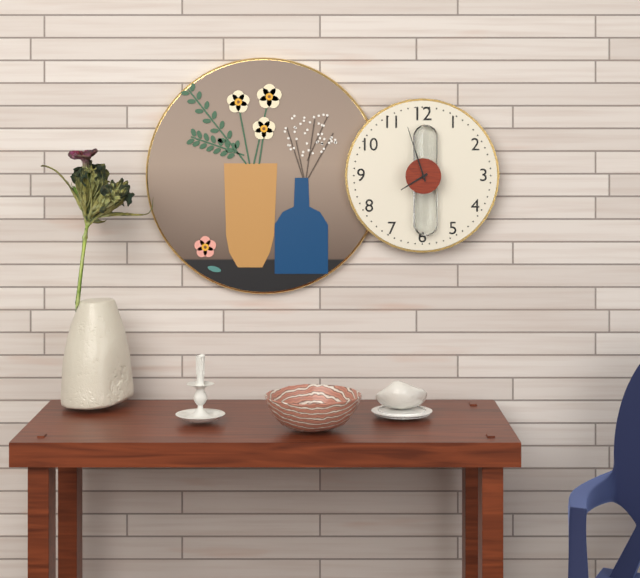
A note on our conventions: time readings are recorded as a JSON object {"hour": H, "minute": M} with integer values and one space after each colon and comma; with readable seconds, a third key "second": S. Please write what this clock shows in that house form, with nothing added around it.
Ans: {"hour": 7, "minute": 57}
